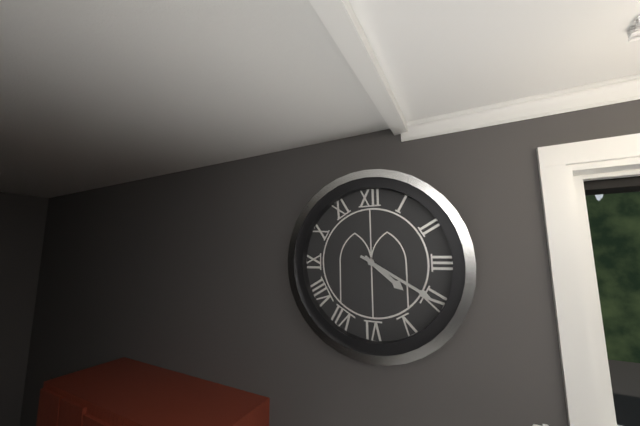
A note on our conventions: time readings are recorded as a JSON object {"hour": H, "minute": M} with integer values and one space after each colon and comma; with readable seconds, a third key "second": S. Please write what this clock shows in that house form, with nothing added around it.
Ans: {"hour": 4, "minute": 20}
